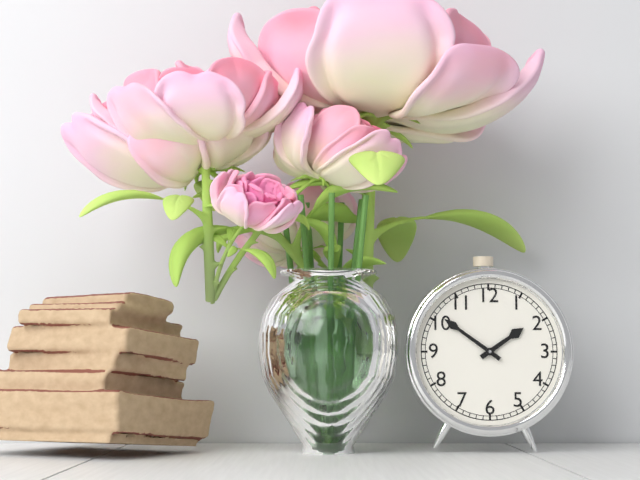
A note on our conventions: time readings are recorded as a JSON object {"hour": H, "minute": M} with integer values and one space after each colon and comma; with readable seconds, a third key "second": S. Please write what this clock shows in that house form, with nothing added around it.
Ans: {"hour": 1, "minute": 51}
